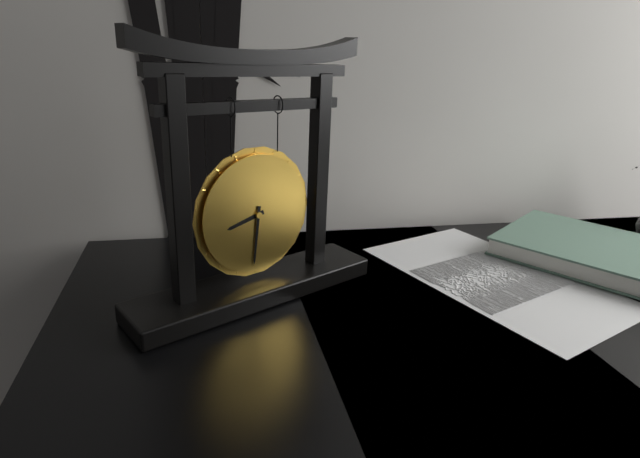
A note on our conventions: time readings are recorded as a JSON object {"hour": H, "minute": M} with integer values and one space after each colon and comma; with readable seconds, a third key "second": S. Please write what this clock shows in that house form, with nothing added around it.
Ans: {"hour": 8, "minute": 31}
